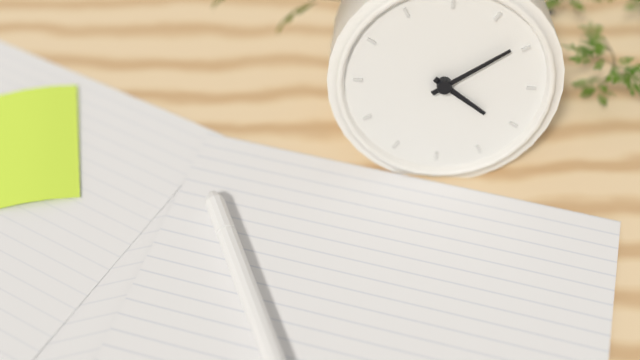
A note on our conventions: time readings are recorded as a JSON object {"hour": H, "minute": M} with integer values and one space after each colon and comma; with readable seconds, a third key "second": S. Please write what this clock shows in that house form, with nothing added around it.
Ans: {"hour": 4, "minute": 9}
